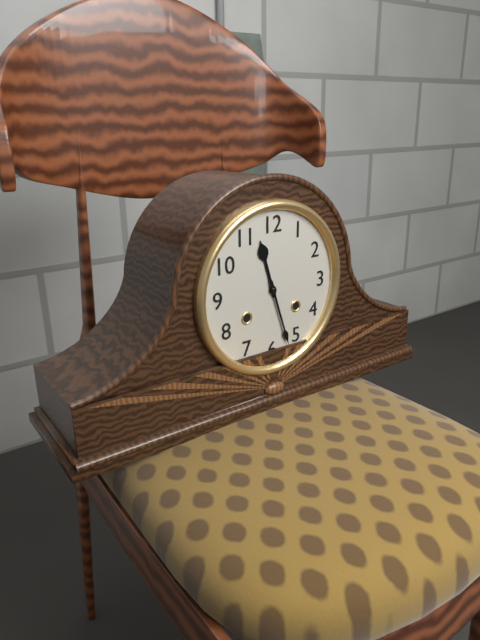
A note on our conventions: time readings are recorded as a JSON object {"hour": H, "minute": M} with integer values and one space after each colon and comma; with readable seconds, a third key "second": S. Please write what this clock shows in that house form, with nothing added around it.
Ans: {"hour": 11, "minute": 27}
